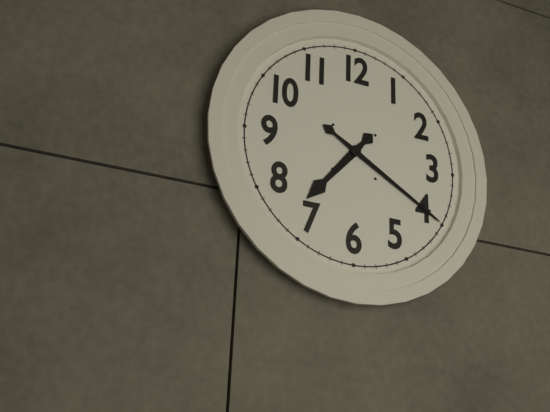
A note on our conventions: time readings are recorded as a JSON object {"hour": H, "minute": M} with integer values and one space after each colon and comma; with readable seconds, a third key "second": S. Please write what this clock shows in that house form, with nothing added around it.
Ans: {"hour": 7, "minute": 20}
